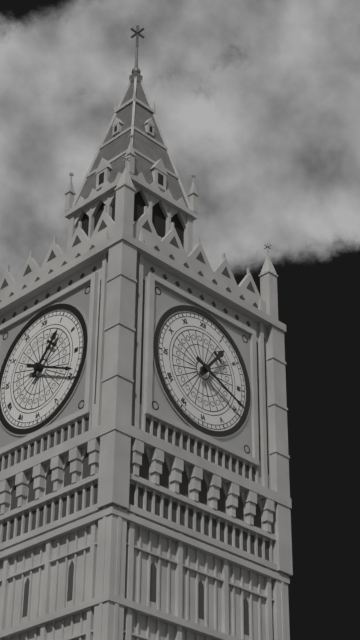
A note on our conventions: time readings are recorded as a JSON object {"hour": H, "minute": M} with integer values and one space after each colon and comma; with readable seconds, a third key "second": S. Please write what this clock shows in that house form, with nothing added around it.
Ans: {"hour": 1, "minute": 19}
